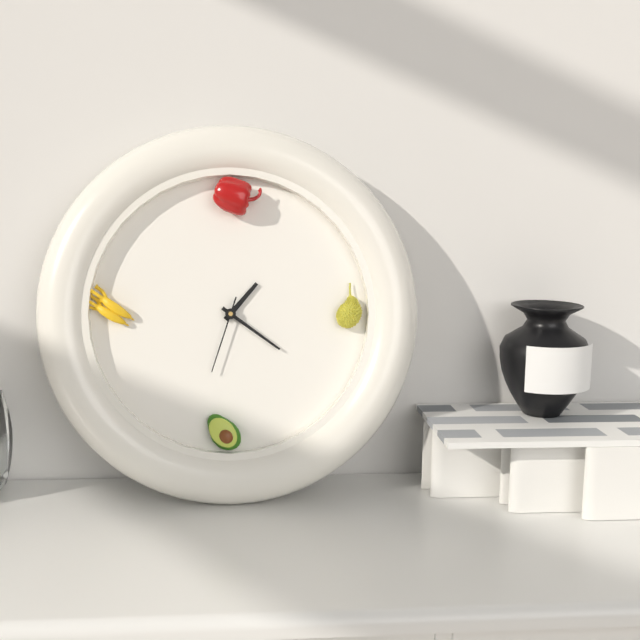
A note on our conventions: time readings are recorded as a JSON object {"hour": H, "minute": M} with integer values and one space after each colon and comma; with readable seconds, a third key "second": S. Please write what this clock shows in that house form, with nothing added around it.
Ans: {"hour": 1, "minute": 21, "second": 33}
